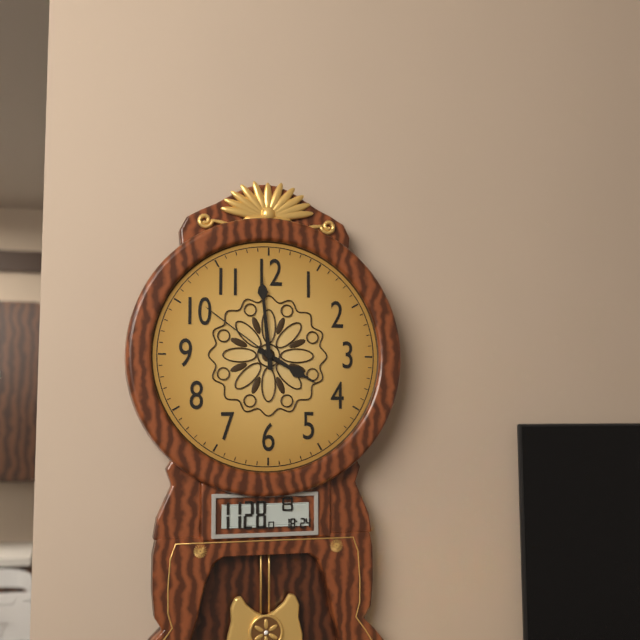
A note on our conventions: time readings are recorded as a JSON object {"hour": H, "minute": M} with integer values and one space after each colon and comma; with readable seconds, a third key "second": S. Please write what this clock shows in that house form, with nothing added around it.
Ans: {"hour": 3, "minute": 59, "second": 51}
